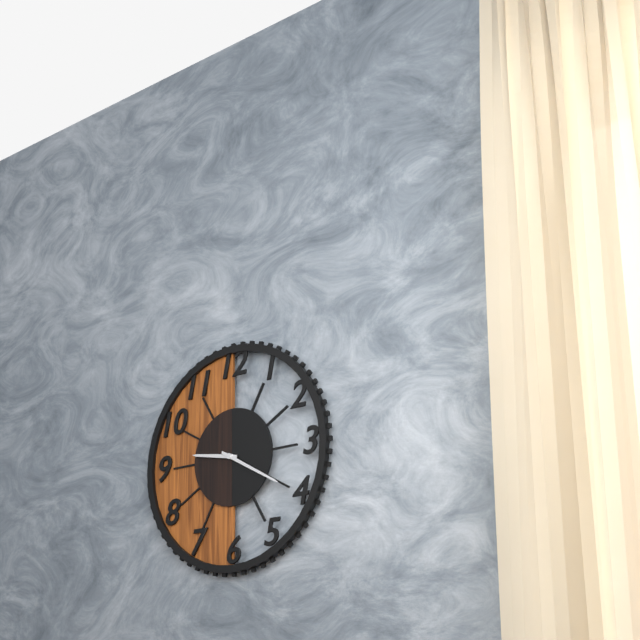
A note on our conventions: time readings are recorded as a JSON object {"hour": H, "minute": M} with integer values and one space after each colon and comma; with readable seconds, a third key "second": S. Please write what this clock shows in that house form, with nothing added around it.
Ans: {"hour": 9, "minute": 20}
